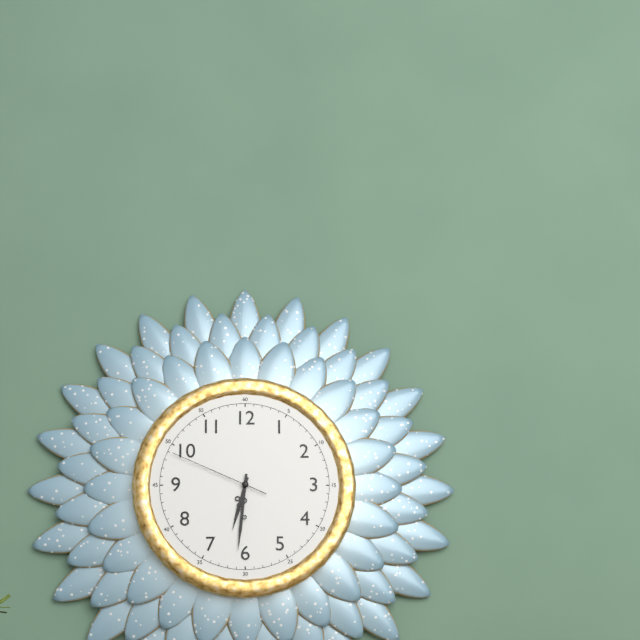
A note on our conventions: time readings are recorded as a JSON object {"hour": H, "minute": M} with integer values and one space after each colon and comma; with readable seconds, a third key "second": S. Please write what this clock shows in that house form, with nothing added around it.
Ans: {"hour": 6, "minute": 31, "second": 49}
